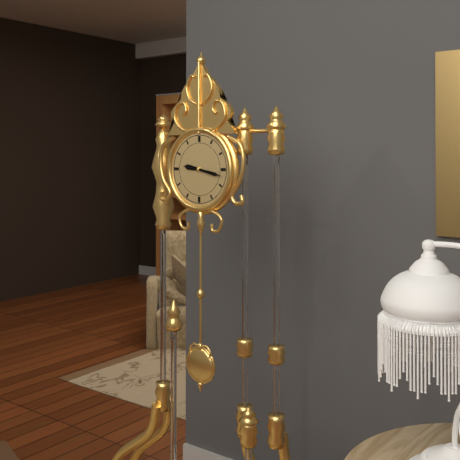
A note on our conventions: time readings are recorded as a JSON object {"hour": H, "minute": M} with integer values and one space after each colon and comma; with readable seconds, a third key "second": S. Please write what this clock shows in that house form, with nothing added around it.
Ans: {"hour": 9, "minute": 17}
